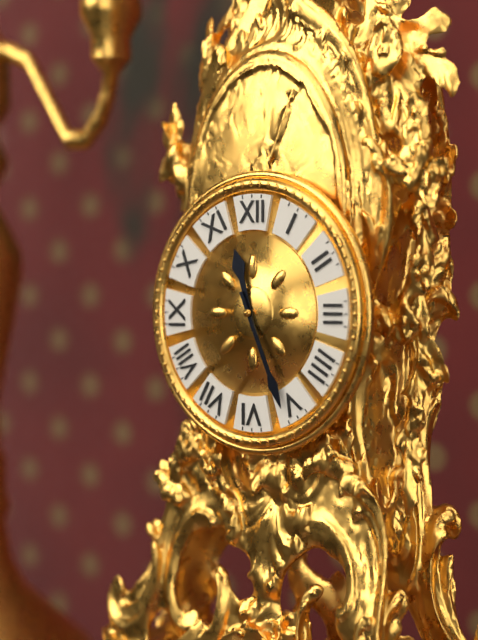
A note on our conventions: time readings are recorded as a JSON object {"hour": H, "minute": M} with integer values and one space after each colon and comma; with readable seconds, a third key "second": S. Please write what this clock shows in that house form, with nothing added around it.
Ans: {"hour": 11, "minute": 26}
